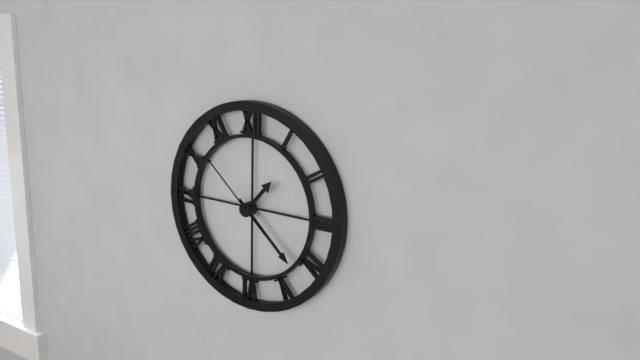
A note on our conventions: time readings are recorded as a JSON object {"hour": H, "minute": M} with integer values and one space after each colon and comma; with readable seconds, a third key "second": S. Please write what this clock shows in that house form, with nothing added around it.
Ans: {"hour": 1, "minute": 22, "second": 52}
